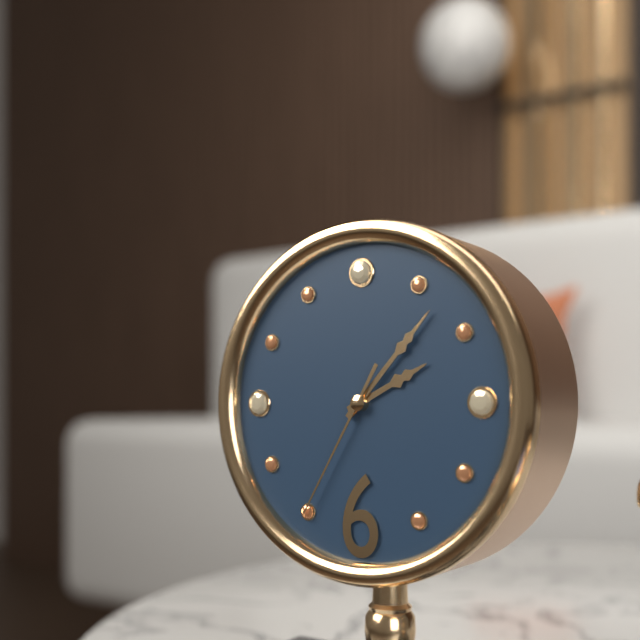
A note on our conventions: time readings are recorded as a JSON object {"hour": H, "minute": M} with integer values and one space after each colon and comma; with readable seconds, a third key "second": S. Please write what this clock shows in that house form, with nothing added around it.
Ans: {"hour": 2, "minute": 7, "second": 35}
